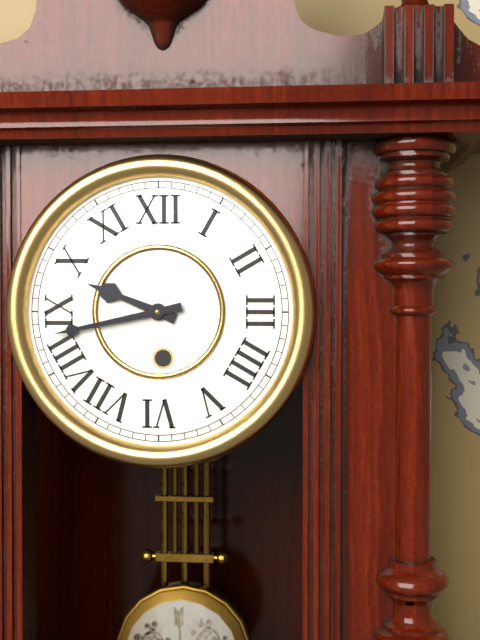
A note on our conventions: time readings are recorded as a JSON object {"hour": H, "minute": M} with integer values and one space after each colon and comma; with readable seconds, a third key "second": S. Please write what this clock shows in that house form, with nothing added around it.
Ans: {"hour": 9, "minute": 43}
